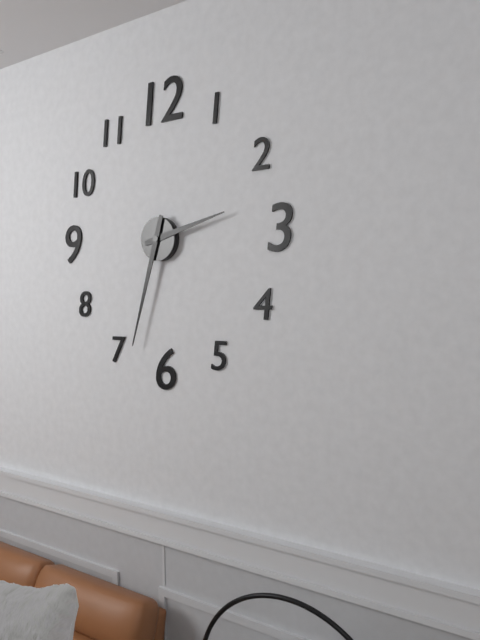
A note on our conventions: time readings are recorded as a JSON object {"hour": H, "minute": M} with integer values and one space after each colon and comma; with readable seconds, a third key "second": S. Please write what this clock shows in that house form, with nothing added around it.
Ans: {"hour": 2, "minute": 33}
